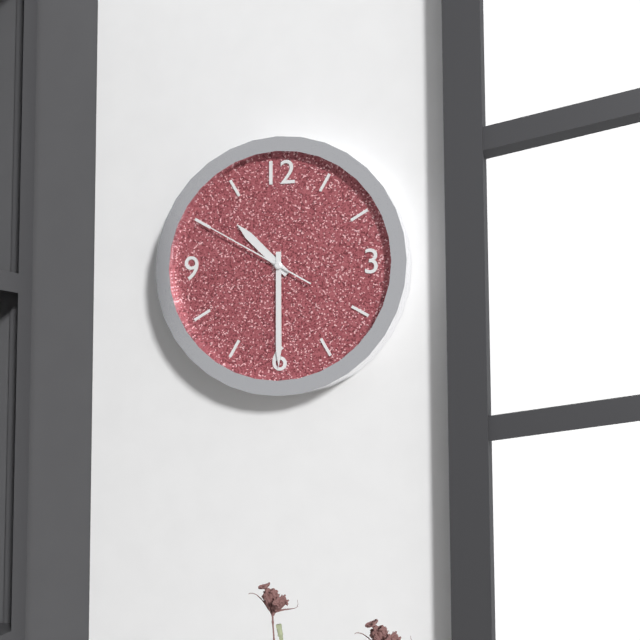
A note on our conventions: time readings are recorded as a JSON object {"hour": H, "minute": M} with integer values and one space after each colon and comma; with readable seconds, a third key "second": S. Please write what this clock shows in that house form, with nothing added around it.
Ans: {"hour": 10, "minute": 30, "second": 50}
